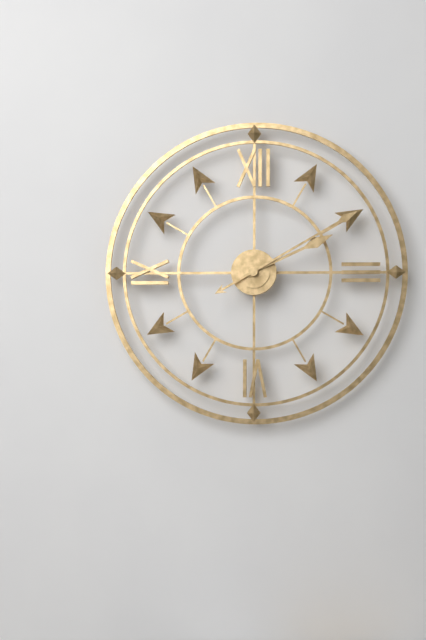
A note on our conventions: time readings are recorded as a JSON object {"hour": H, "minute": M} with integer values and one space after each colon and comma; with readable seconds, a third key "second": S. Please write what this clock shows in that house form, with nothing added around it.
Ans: {"hour": 2, "minute": 10}
